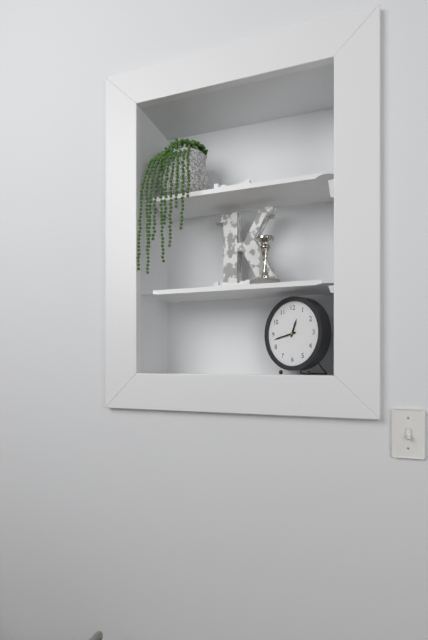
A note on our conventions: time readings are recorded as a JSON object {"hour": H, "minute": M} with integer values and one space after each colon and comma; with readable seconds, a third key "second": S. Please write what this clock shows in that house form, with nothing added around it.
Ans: {"hour": 12, "minute": 43}
